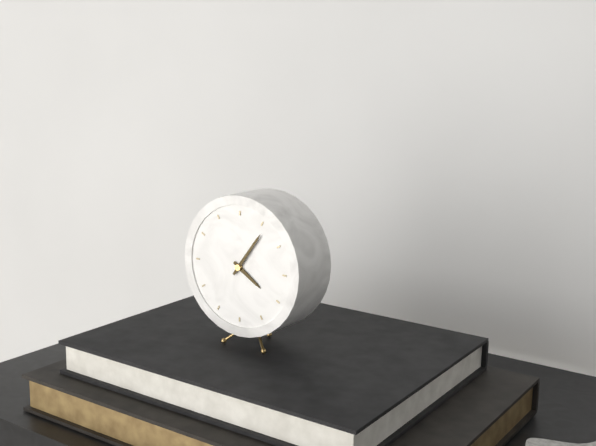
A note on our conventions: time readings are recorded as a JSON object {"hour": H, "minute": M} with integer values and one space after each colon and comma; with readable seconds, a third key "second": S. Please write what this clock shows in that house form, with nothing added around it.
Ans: {"hour": 4, "minute": 6}
